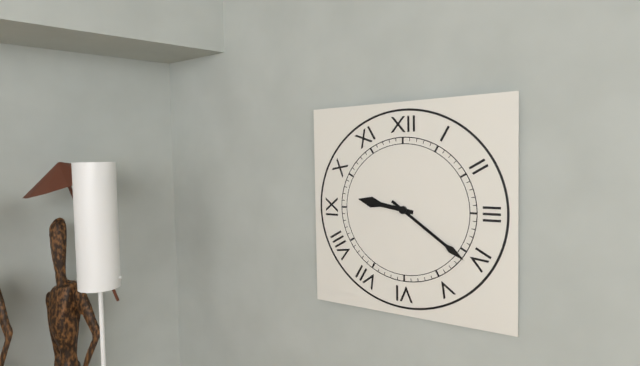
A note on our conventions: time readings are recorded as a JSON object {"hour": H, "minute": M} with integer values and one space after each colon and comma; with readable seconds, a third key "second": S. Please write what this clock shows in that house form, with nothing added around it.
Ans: {"hour": 9, "minute": 21}
